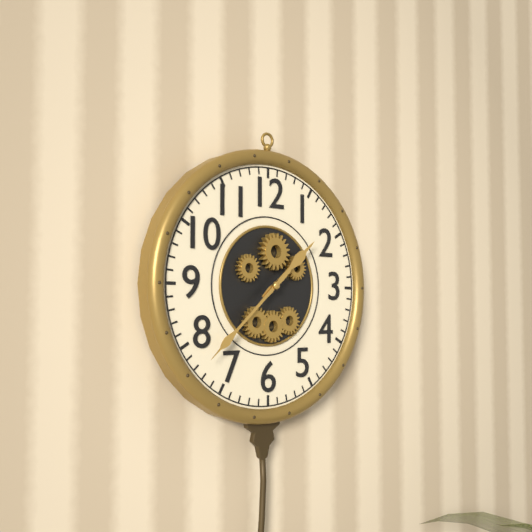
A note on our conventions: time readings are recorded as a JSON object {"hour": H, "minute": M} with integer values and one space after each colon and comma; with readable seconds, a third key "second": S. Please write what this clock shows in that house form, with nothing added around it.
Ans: {"hour": 1, "minute": 38}
